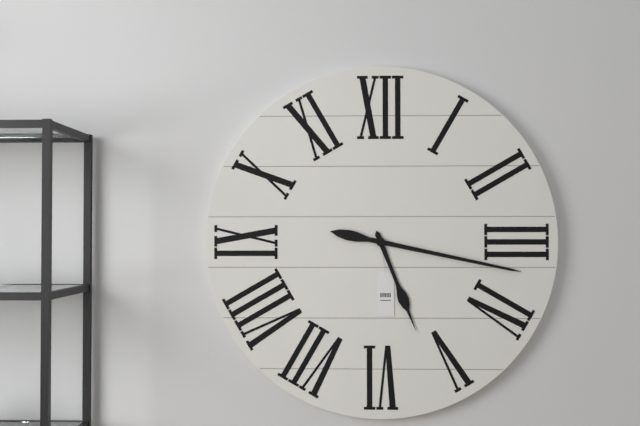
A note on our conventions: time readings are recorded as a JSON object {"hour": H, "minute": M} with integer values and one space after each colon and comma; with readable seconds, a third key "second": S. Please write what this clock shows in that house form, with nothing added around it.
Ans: {"hour": 5, "minute": 17}
